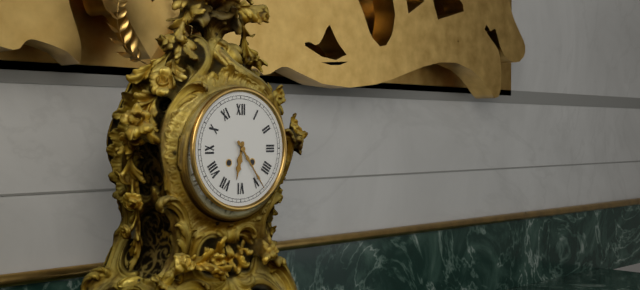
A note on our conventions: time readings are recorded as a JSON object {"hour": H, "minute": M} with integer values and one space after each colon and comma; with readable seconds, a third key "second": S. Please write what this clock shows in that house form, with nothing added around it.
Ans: {"hour": 6, "minute": 24}
